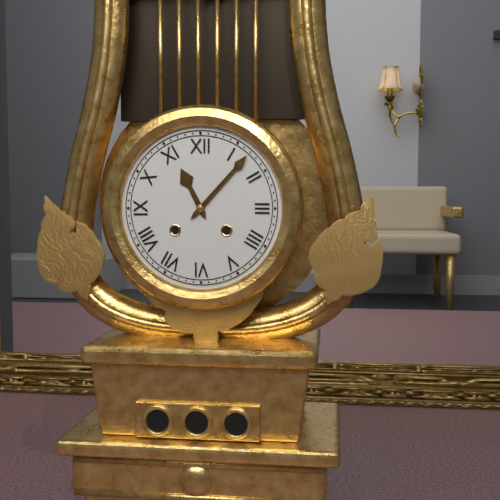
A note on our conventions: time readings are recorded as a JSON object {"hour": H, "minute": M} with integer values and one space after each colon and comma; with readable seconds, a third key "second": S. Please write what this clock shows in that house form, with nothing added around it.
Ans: {"hour": 11, "minute": 7}
